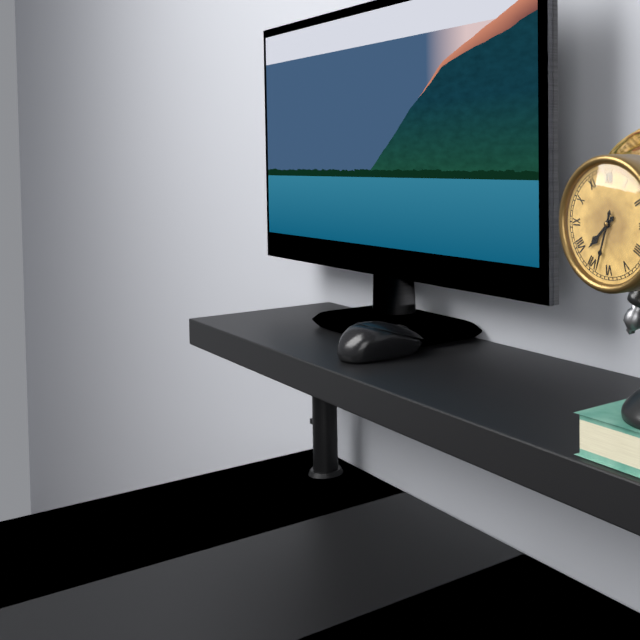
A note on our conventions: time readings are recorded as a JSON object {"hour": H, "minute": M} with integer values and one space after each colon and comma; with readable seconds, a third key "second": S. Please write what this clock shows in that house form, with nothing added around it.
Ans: {"hour": 7, "minute": 33}
